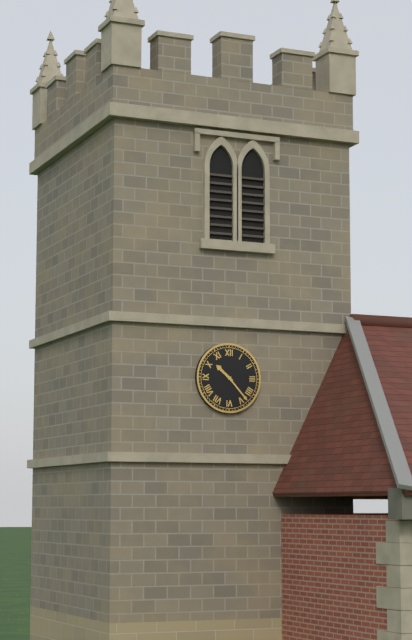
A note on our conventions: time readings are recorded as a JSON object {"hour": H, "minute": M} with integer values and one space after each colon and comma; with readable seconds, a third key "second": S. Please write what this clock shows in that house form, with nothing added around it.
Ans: {"hour": 10, "minute": 23}
